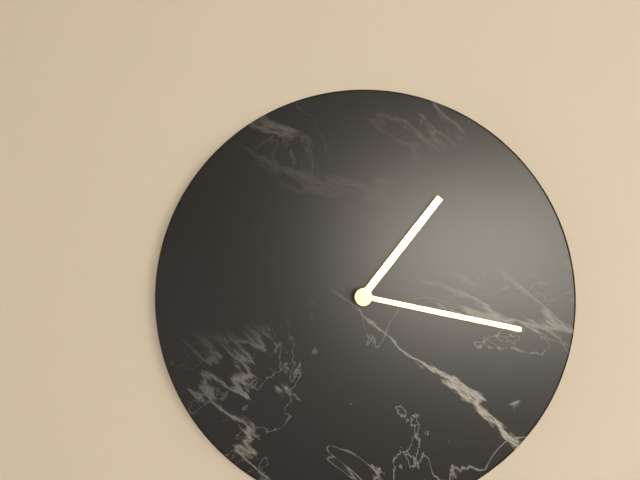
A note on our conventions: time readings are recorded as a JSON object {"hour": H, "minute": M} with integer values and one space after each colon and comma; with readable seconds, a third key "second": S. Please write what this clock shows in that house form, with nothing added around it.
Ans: {"hour": 1, "minute": 17}
